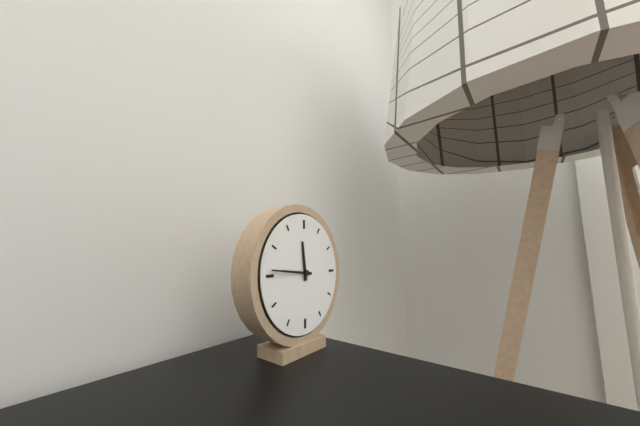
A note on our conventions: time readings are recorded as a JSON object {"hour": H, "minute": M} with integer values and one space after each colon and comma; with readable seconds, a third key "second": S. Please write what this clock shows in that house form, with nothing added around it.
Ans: {"hour": 11, "minute": 46}
